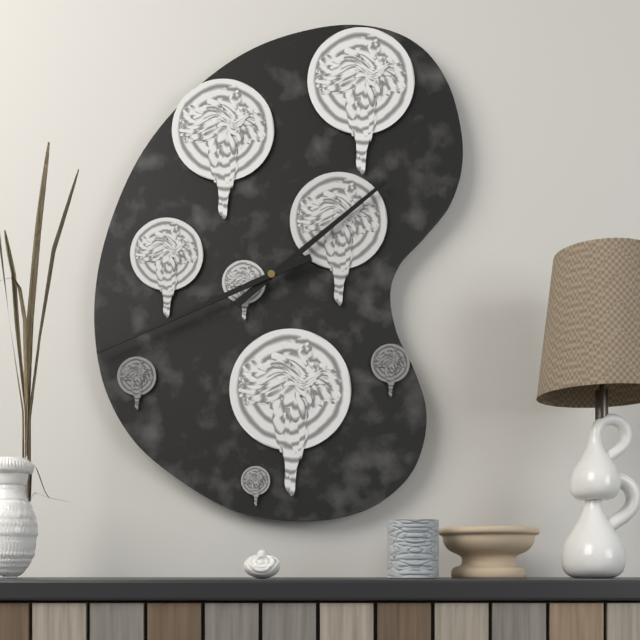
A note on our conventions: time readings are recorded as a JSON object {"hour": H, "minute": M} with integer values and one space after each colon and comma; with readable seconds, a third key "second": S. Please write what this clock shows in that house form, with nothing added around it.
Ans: {"hour": 1, "minute": 41}
